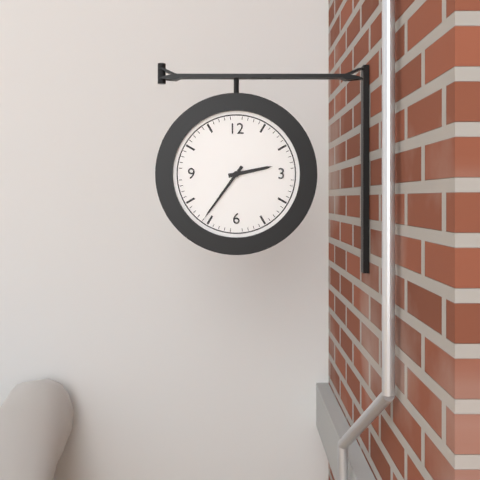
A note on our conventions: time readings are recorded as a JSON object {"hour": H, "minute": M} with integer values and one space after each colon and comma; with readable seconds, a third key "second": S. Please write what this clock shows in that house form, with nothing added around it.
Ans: {"hour": 2, "minute": 36}
